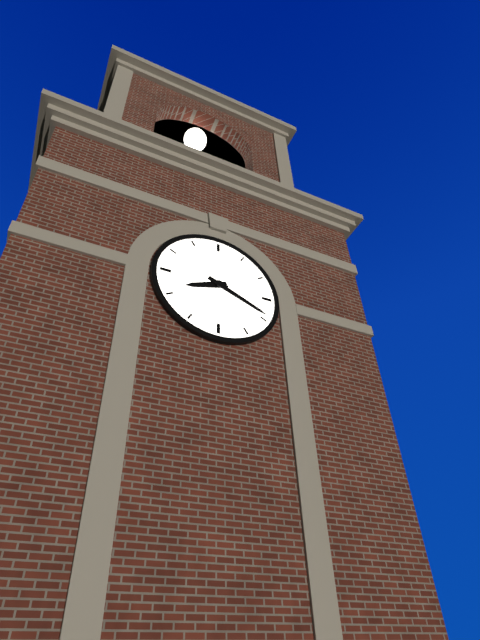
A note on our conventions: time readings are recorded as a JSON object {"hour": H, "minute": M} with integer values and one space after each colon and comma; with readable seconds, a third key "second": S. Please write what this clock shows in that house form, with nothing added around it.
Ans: {"hour": 8, "minute": 19}
